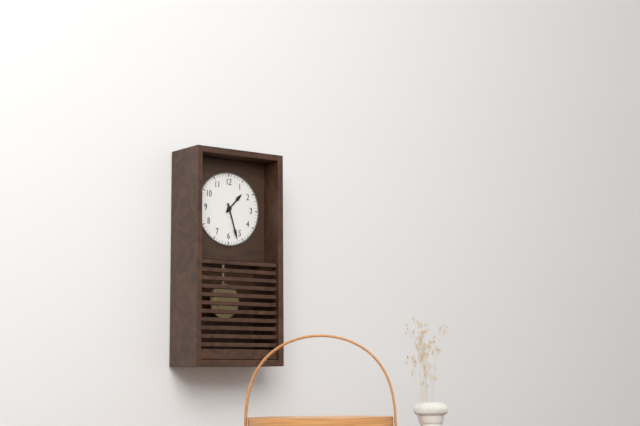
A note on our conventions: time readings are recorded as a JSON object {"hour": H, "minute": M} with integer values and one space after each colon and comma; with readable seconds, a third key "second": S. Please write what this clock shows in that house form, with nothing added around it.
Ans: {"hour": 1, "minute": 27}
